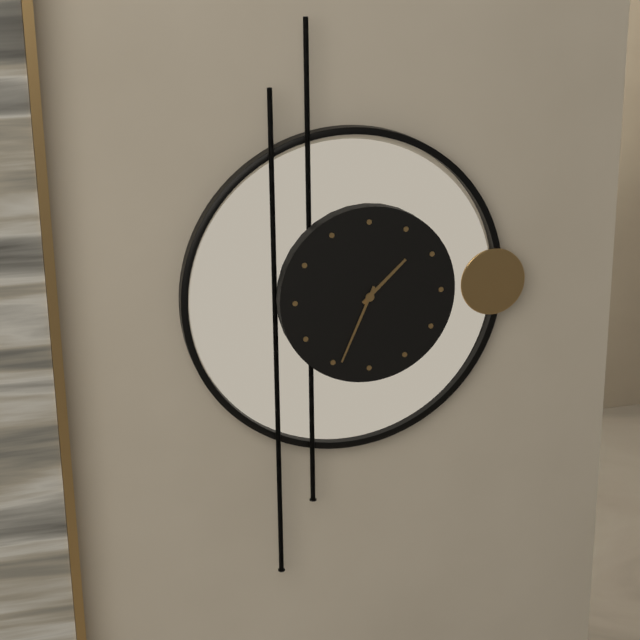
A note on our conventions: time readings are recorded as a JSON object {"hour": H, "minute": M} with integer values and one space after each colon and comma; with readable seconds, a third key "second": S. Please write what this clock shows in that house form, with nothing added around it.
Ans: {"hour": 1, "minute": 34}
